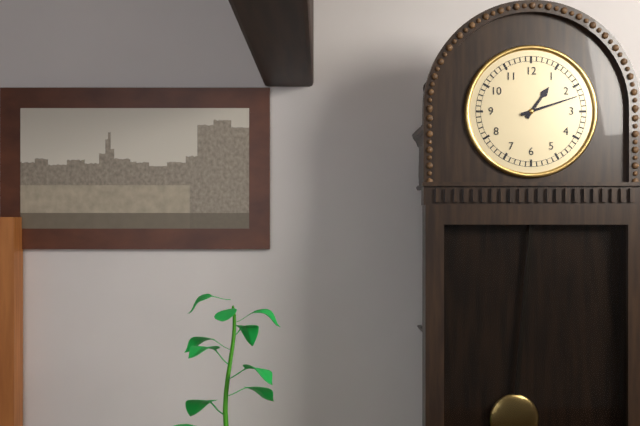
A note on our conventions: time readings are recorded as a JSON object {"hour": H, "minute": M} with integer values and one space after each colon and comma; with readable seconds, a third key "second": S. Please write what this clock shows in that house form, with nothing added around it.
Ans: {"hour": 1, "minute": 12}
